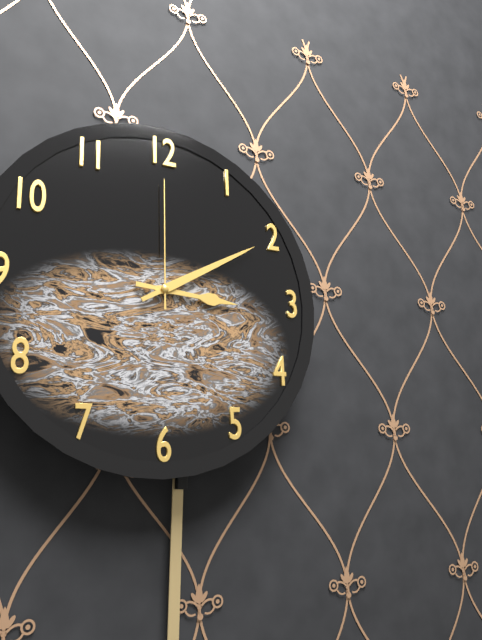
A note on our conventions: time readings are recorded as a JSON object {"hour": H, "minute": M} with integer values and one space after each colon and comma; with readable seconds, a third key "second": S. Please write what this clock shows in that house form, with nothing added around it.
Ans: {"hour": 3, "minute": 10, "second": 0}
